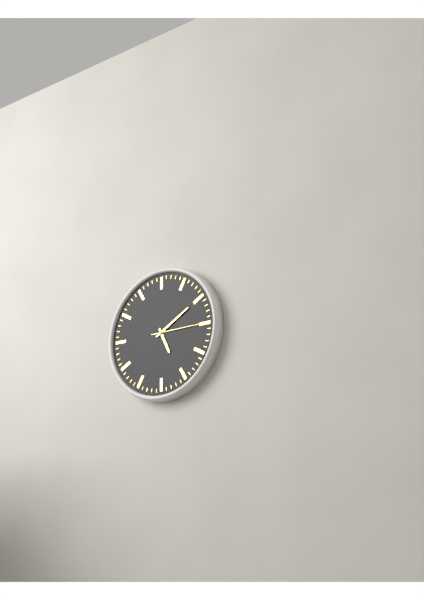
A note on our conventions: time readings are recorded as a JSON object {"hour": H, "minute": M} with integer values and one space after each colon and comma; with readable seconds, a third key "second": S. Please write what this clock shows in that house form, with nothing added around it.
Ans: {"hour": 5, "minute": 10, "second": 15}
